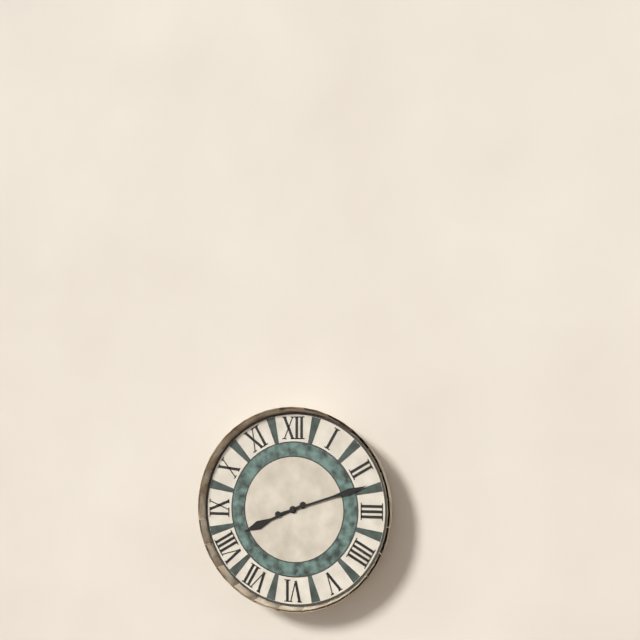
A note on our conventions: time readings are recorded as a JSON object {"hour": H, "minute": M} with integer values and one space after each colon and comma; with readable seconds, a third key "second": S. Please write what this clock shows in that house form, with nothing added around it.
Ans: {"hour": 8, "minute": 12}
